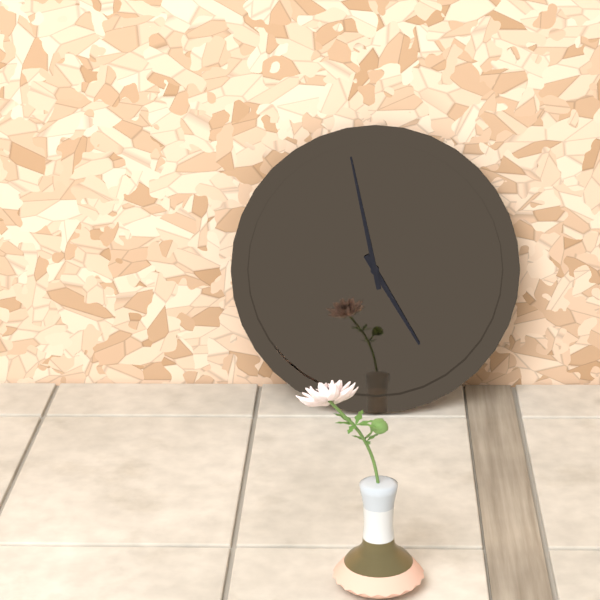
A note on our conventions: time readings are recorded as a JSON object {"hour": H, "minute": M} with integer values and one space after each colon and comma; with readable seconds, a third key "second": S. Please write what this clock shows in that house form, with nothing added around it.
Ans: {"hour": 4, "minute": 58}
